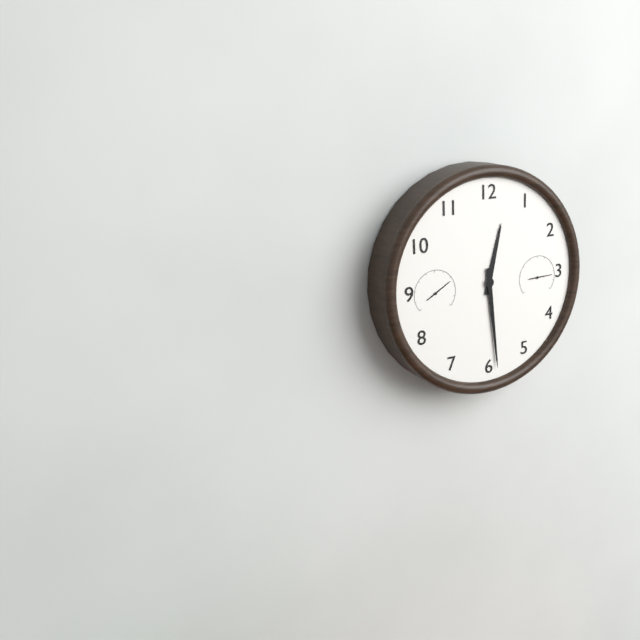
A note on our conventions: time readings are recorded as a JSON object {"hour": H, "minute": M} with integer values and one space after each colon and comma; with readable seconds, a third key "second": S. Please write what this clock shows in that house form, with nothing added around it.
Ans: {"hour": 12, "minute": 29}
